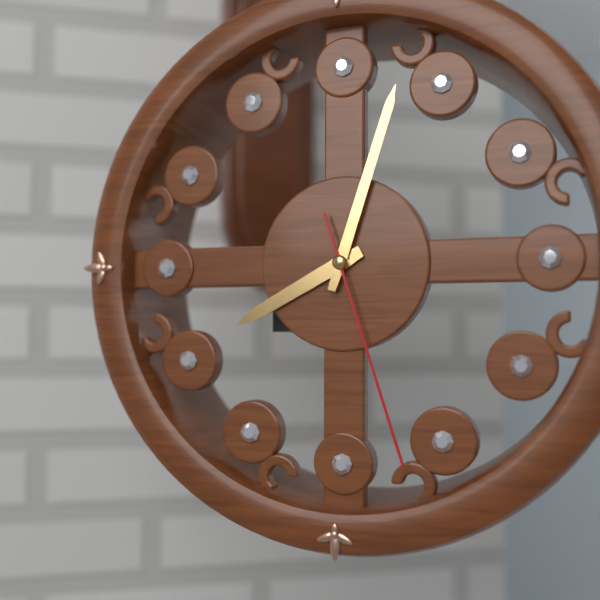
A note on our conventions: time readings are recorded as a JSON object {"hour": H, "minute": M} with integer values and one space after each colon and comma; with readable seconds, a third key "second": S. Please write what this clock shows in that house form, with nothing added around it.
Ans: {"hour": 8, "minute": 3, "second": 27}
